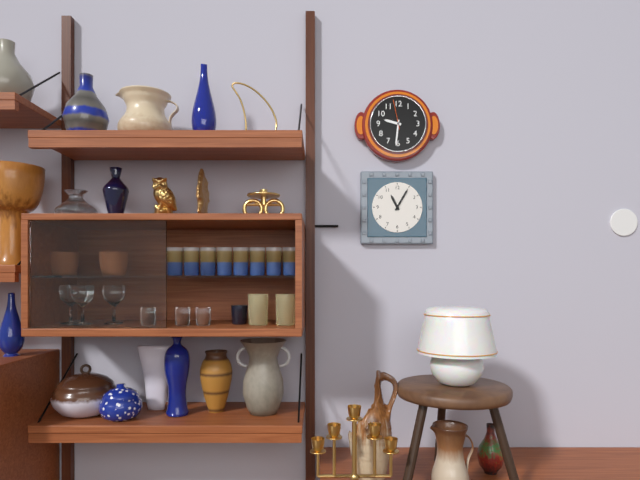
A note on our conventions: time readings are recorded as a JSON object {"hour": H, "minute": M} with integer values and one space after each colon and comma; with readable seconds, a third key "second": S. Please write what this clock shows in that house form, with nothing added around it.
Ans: {"hour": 9, "minute": 31}
